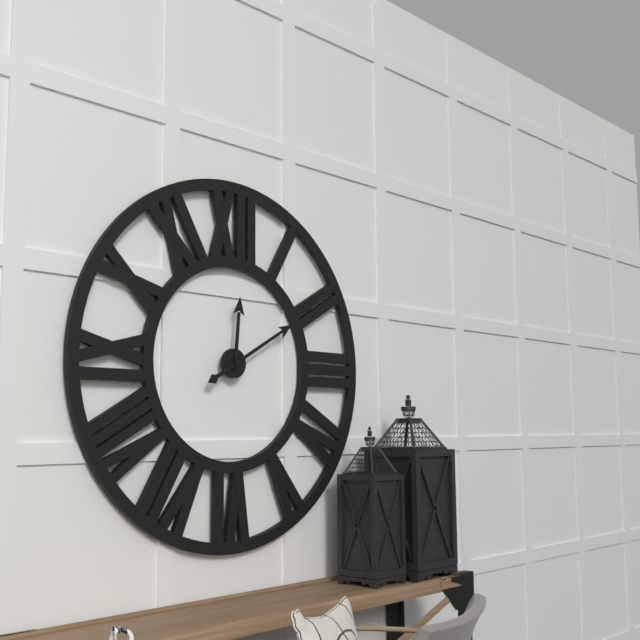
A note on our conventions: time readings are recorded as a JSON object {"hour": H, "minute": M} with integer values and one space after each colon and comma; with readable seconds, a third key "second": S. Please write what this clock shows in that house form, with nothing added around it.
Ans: {"hour": 12, "minute": 10}
